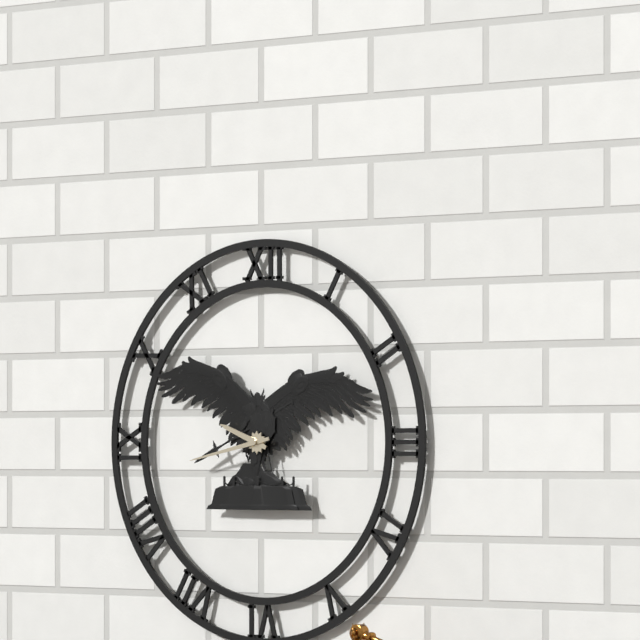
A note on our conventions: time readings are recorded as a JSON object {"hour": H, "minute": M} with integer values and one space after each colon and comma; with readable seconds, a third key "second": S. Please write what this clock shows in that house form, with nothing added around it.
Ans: {"hour": 9, "minute": 43}
